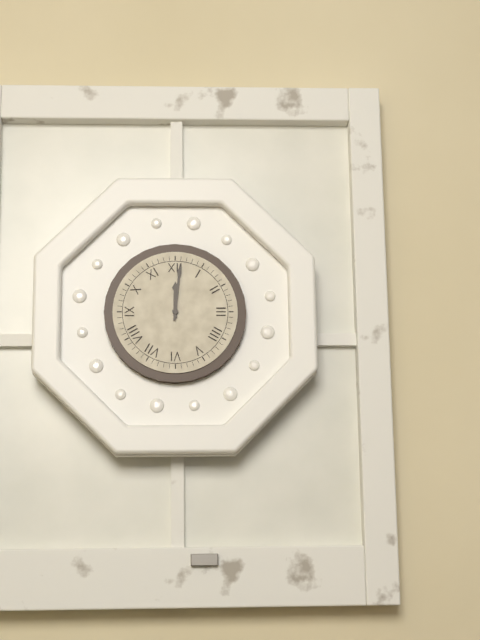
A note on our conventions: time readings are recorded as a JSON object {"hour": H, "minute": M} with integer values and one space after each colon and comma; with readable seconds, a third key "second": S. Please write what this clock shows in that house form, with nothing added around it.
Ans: {"hour": 12, "minute": 1}
